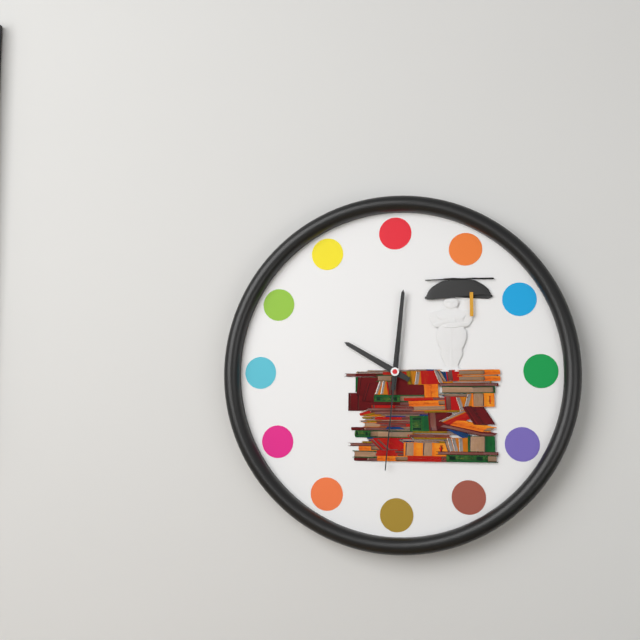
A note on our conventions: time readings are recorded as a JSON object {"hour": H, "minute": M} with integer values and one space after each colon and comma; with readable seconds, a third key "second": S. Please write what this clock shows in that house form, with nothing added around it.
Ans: {"hour": 10, "minute": 1, "second": 31}
